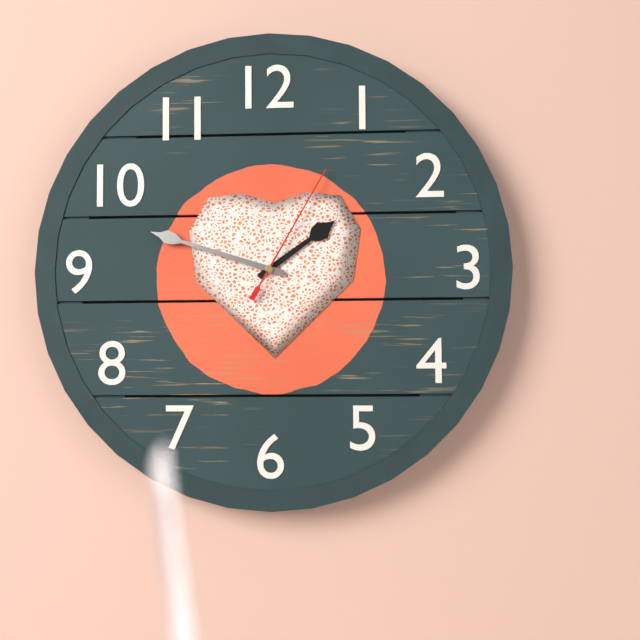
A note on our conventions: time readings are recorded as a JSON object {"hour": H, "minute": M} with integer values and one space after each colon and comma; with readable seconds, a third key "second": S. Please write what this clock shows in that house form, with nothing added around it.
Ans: {"hour": 1, "minute": 48, "second": 5}
